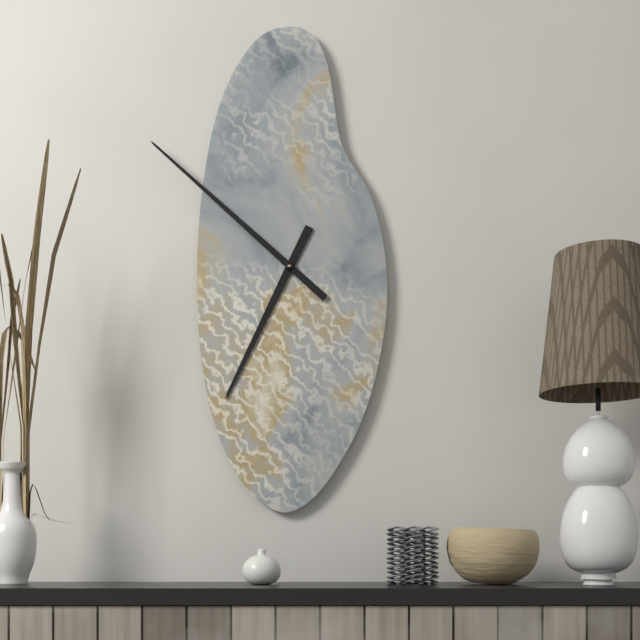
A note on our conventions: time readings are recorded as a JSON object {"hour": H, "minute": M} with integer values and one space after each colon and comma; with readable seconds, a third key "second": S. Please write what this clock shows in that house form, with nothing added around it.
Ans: {"hour": 6, "minute": 52}
